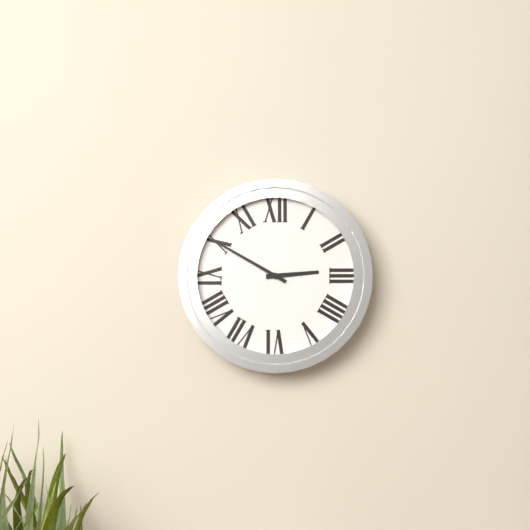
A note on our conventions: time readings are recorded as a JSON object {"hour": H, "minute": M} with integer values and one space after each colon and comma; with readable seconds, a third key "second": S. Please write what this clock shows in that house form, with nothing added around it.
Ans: {"hour": 2, "minute": 50}
